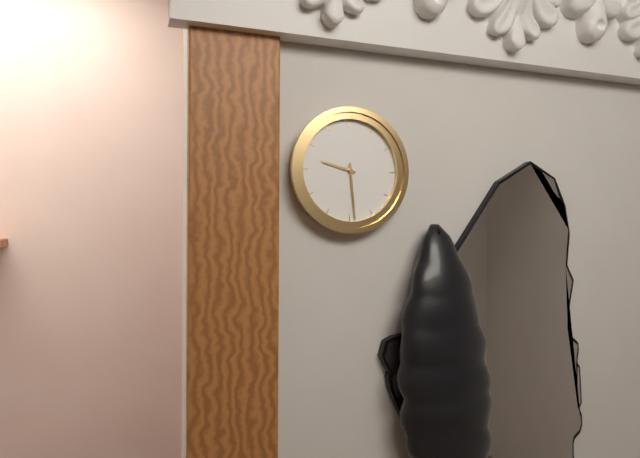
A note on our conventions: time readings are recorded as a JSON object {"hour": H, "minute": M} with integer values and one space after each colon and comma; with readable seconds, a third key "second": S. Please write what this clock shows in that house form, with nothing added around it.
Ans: {"hour": 9, "minute": 29}
